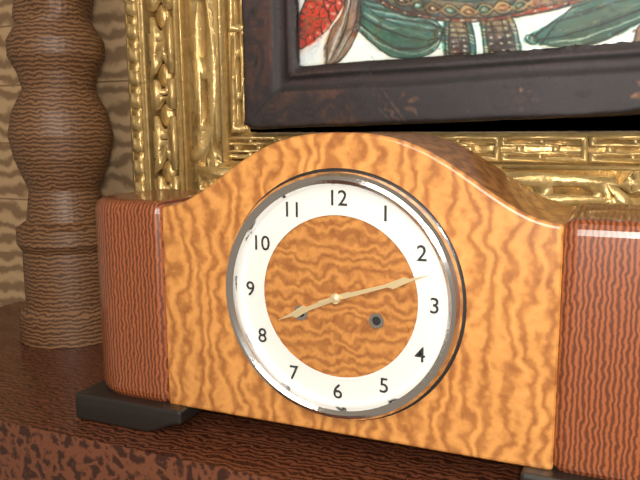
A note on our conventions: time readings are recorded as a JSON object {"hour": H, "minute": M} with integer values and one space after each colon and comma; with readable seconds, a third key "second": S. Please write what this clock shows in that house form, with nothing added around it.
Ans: {"hour": 8, "minute": 12}
